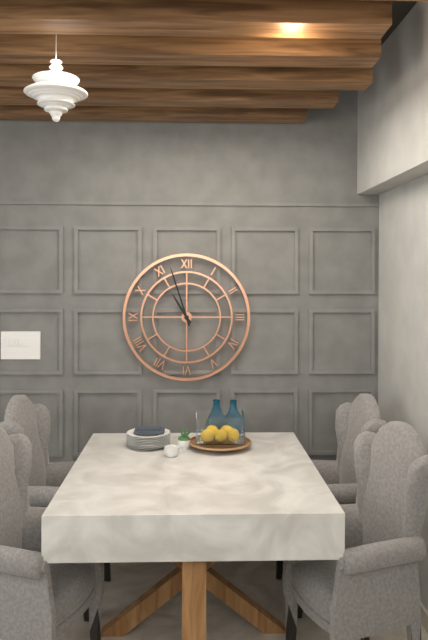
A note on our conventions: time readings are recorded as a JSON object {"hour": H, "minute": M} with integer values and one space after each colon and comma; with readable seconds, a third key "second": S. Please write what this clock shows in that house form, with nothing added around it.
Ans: {"hour": 10, "minute": 57}
